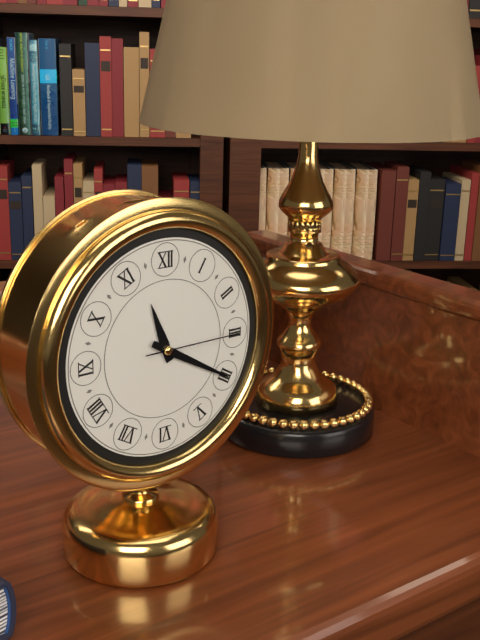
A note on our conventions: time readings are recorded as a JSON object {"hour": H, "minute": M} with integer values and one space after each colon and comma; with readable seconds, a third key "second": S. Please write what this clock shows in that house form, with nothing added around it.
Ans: {"hour": 11, "minute": 20, "second": 15}
